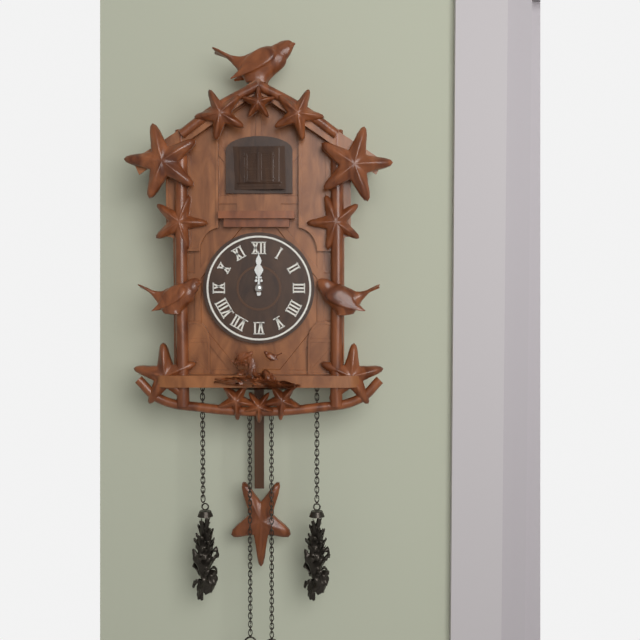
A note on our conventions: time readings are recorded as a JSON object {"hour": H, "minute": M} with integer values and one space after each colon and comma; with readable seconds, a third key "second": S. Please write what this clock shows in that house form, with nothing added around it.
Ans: {"hour": 12, "minute": 0}
